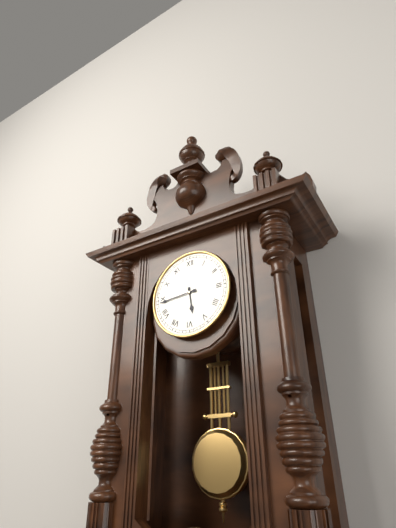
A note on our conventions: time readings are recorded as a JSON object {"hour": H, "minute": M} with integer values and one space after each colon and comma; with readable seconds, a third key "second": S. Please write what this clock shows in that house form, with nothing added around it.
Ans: {"hour": 5, "minute": 44}
